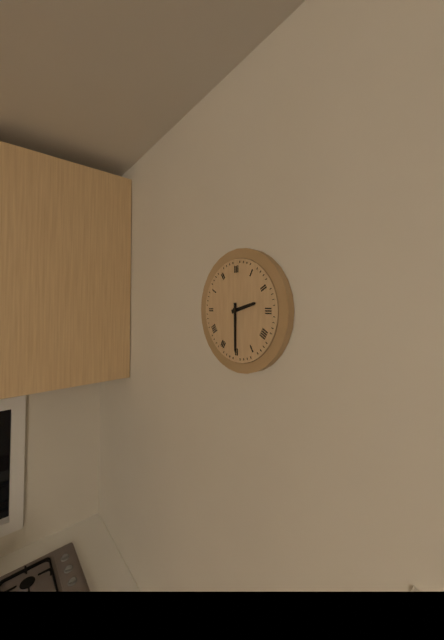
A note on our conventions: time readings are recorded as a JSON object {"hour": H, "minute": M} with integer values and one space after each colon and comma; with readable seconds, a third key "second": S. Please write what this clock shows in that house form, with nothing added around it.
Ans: {"hour": 2, "minute": 30}
